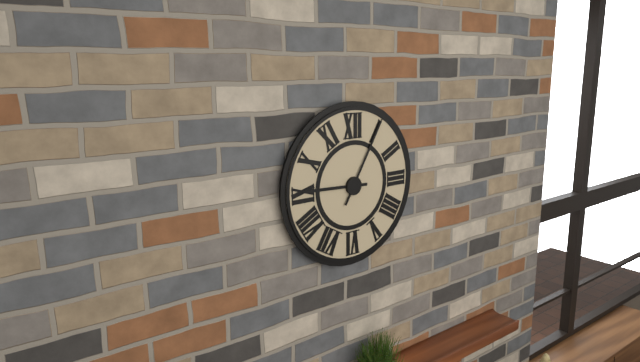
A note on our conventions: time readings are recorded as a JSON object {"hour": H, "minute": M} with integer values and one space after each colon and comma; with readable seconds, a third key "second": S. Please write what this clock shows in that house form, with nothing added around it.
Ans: {"hour": 9, "minute": 5}
